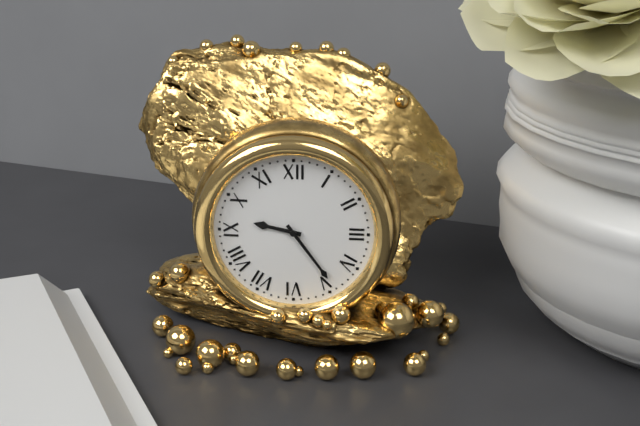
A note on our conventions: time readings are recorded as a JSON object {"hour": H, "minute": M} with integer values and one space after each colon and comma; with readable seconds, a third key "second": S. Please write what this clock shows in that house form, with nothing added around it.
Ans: {"hour": 9, "minute": 24}
